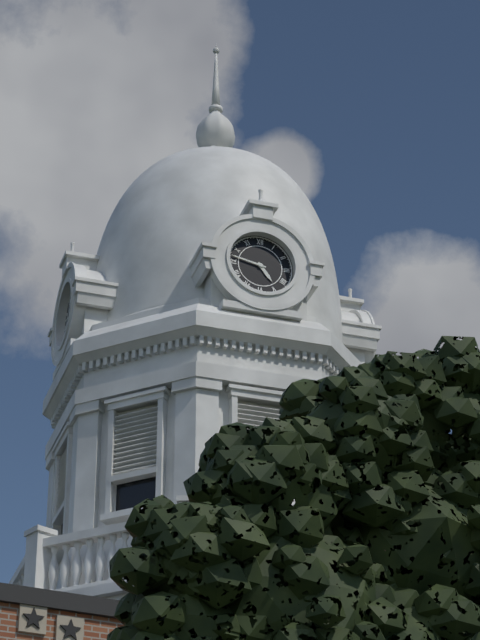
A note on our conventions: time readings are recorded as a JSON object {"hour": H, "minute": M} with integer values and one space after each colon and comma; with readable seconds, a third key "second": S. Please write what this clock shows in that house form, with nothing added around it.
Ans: {"hour": 4, "minute": 47}
